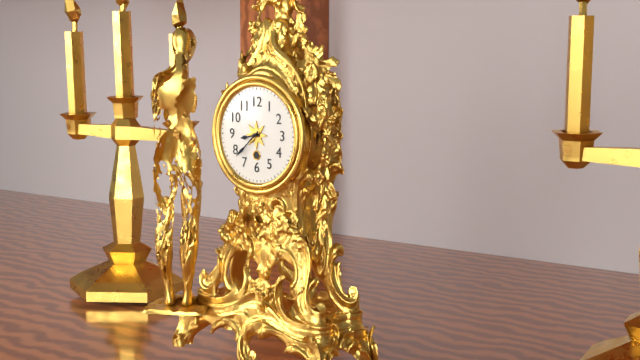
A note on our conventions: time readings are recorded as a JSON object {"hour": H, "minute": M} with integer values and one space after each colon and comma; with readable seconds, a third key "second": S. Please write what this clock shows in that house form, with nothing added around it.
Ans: {"hour": 8, "minute": 38}
